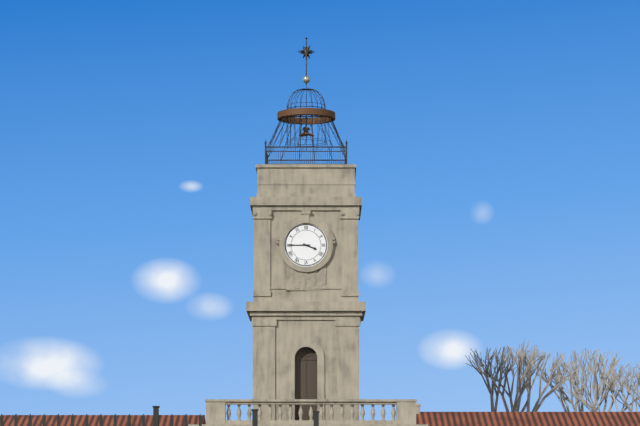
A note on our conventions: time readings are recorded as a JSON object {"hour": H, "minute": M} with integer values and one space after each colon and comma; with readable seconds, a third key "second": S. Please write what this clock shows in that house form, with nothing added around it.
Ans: {"hour": 3, "minute": 45}
